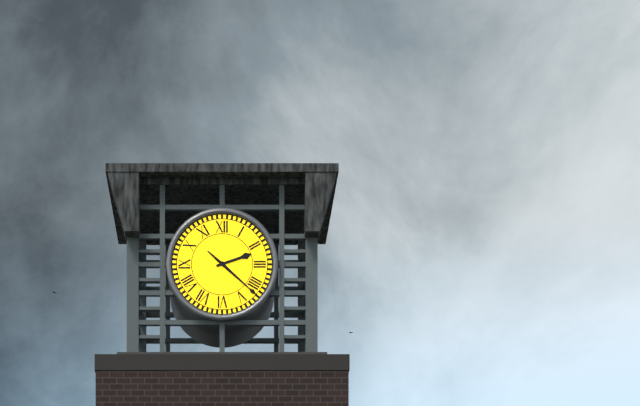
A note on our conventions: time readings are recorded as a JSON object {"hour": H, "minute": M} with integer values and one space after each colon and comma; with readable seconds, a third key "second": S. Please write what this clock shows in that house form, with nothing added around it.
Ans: {"hour": 2, "minute": 22}
